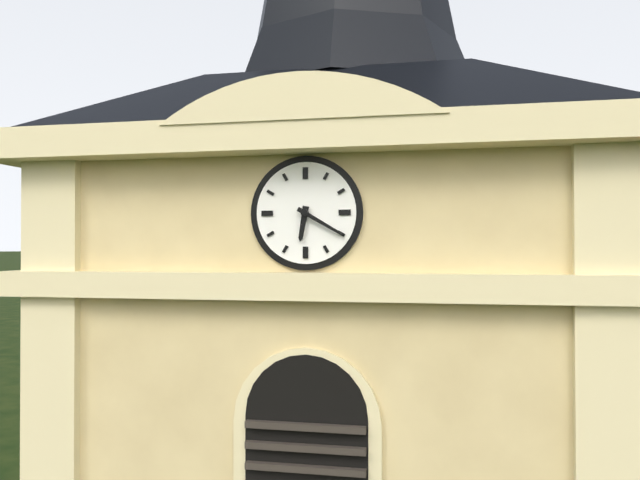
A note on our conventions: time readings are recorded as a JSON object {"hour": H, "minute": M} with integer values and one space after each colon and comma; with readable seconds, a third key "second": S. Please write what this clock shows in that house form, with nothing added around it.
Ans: {"hour": 6, "minute": 20}
